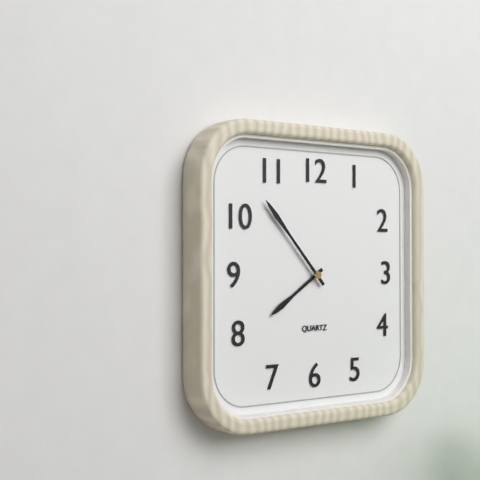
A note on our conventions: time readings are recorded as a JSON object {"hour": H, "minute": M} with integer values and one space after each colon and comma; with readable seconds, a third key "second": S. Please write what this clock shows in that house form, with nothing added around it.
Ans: {"hour": 7, "minute": 53}
